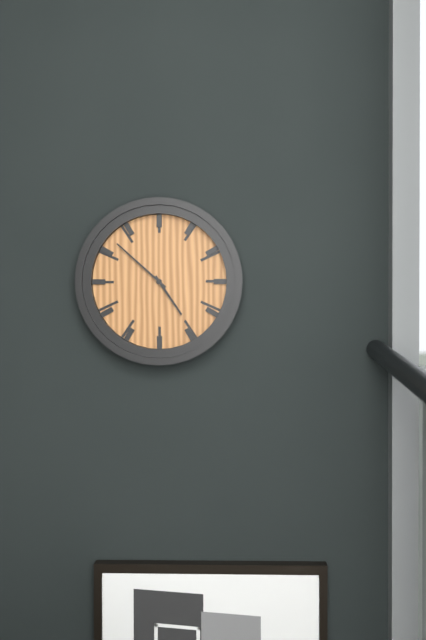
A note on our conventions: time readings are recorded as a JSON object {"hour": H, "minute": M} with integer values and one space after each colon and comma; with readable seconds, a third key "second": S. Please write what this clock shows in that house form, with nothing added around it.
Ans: {"hour": 4, "minute": 52}
